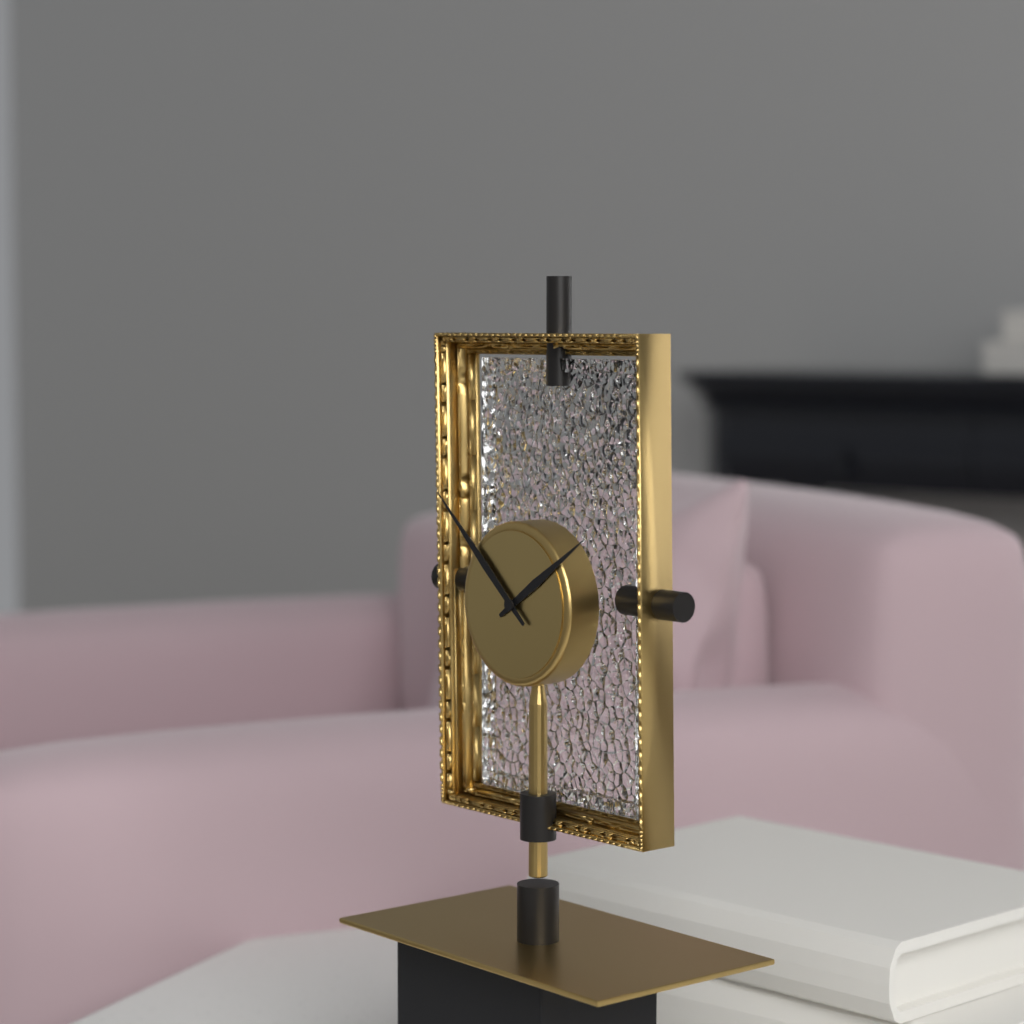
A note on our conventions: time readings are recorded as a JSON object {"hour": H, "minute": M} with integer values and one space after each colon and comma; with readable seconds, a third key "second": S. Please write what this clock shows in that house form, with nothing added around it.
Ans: {"hour": 1, "minute": 52}
